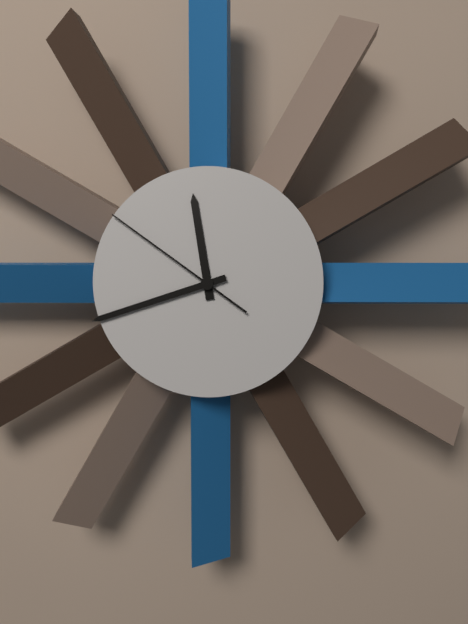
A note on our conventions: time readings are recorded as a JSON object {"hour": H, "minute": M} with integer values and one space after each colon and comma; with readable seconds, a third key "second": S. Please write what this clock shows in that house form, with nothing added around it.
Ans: {"hour": 11, "minute": 42, "second": 51}
